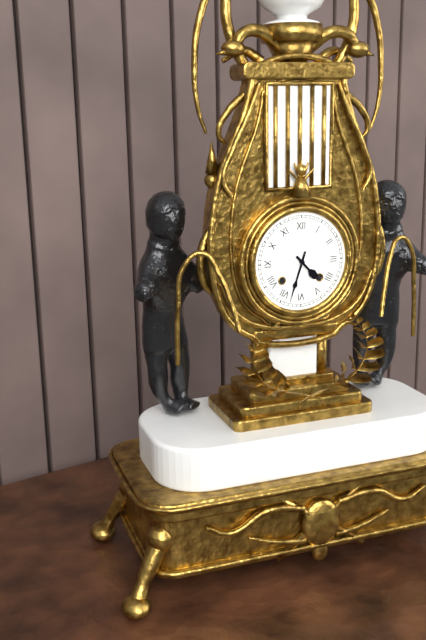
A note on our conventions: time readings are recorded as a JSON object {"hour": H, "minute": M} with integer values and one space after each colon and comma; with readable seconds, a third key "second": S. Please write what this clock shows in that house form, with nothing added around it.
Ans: {"hour": 4, "minute": 33}
